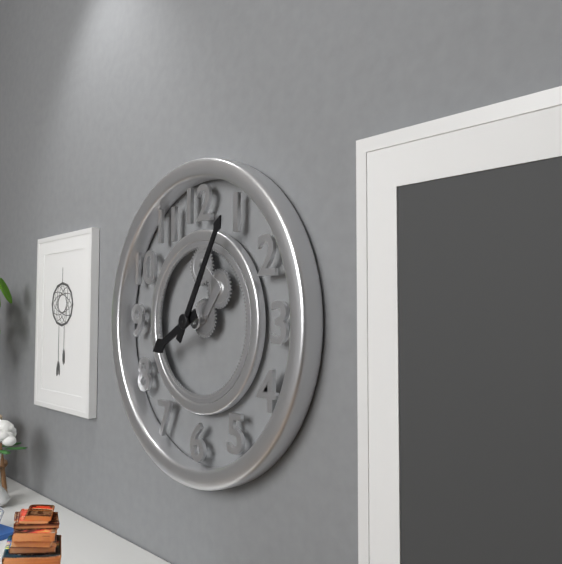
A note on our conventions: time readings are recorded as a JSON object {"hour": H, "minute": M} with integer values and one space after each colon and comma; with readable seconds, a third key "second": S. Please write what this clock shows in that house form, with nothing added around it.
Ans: {"hour": 8, "minute": 5}
